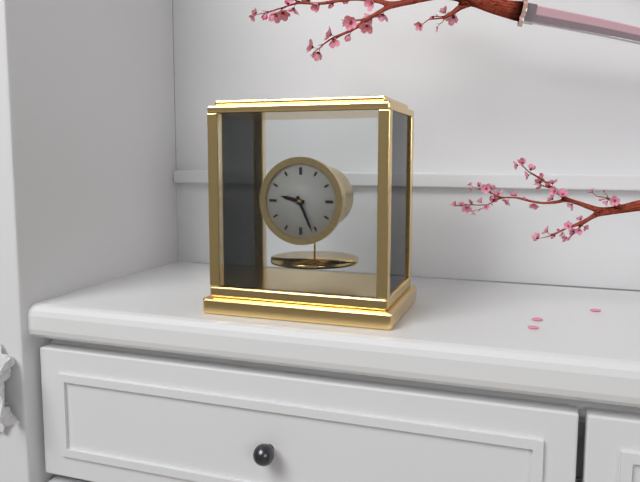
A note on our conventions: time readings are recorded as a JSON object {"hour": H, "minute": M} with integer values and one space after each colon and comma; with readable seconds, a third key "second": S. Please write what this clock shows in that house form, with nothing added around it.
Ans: {"hour": 9, "minute": 26}
